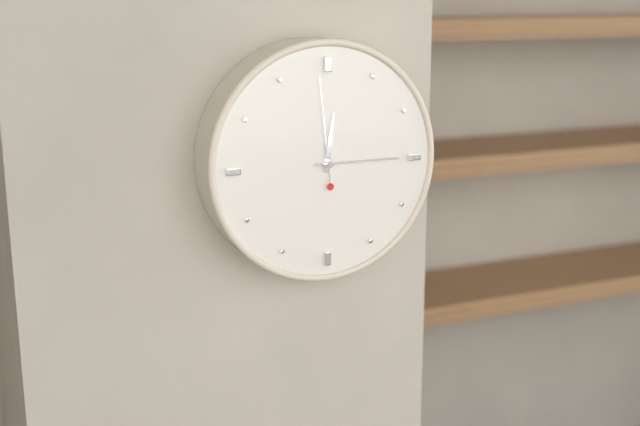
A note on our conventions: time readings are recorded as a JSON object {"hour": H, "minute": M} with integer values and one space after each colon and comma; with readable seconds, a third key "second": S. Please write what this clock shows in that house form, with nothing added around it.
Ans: {"hour": 12, "minute": 15, "second": 59}
